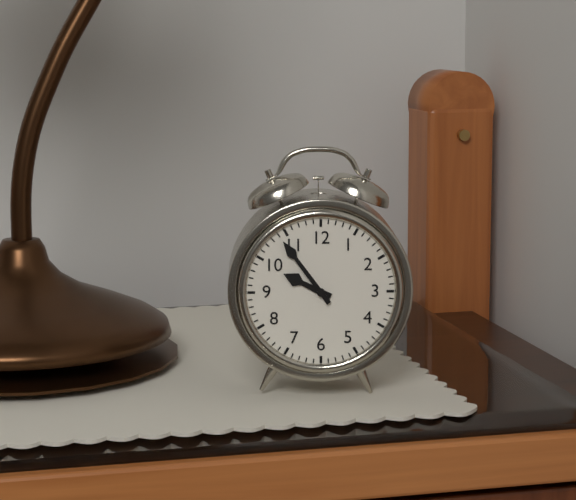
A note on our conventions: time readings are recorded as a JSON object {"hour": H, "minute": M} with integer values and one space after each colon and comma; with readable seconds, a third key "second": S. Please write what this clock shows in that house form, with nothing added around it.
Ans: {"hour": 9, "minute": 54}
